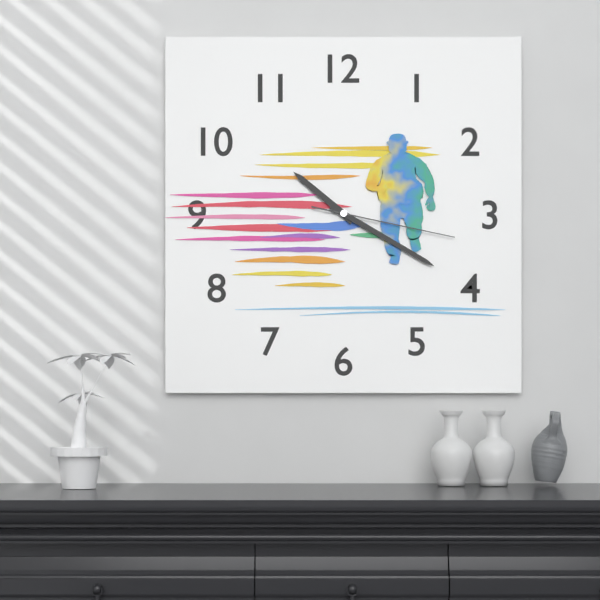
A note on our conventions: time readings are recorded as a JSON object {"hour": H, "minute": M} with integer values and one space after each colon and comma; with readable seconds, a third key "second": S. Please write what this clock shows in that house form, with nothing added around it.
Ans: {"hour": 10, "minute": 20, "second": 17}
